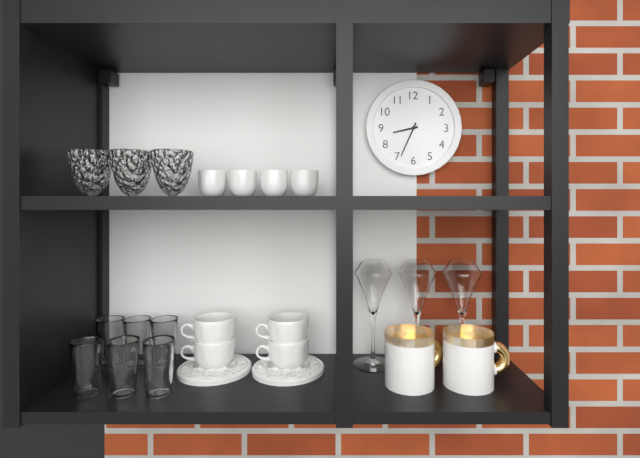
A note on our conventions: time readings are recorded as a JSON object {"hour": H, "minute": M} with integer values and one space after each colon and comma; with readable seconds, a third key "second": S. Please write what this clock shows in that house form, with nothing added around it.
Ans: {"hour": 8, "minute": 34}
